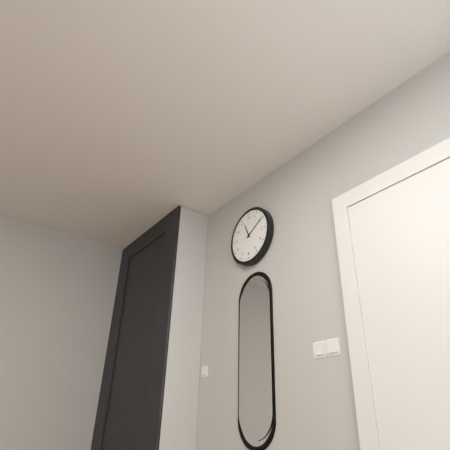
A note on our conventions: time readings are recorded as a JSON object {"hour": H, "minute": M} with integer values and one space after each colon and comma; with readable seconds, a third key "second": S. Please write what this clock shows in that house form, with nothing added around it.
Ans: {"hour": 11, "minute": 10}
